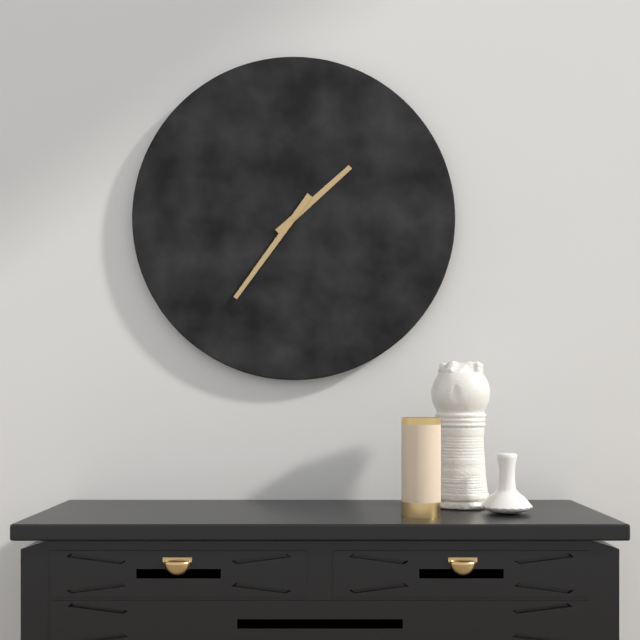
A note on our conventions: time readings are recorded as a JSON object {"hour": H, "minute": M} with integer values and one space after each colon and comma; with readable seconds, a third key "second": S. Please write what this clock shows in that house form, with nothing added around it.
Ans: {"hour": 1, "minute": 36}
